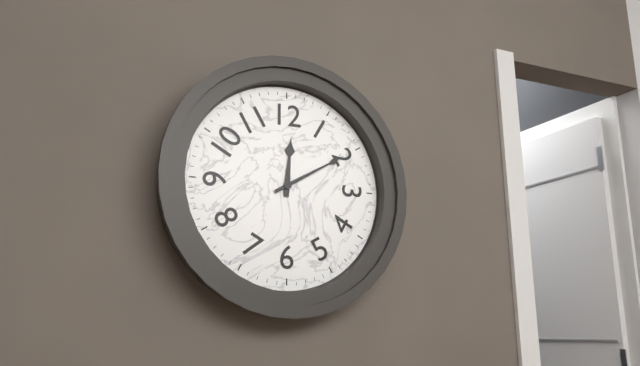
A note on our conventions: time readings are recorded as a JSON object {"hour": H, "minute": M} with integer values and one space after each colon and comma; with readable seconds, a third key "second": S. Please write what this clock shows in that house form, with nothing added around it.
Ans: {"hour": 12, "minute": 10}
